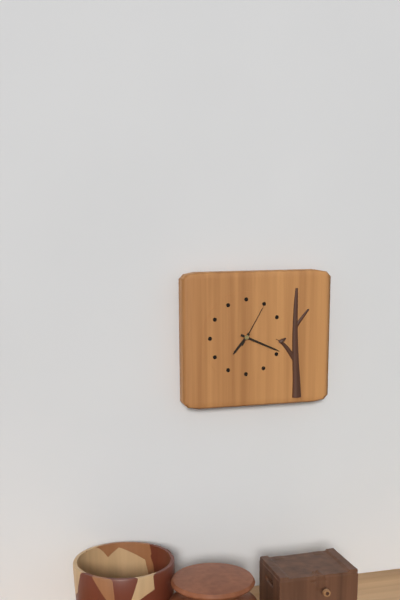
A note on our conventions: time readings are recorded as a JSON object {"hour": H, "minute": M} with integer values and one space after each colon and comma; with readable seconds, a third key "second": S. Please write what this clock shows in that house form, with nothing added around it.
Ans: {"hour": 7, "minute": 19}
